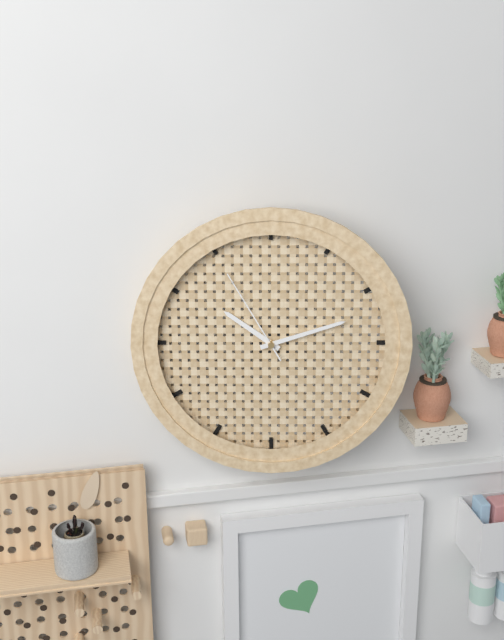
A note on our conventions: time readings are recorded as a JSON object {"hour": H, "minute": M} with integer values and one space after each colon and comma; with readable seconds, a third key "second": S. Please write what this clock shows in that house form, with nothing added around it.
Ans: {"hour": 10, "minute": 12, "second": 55}
